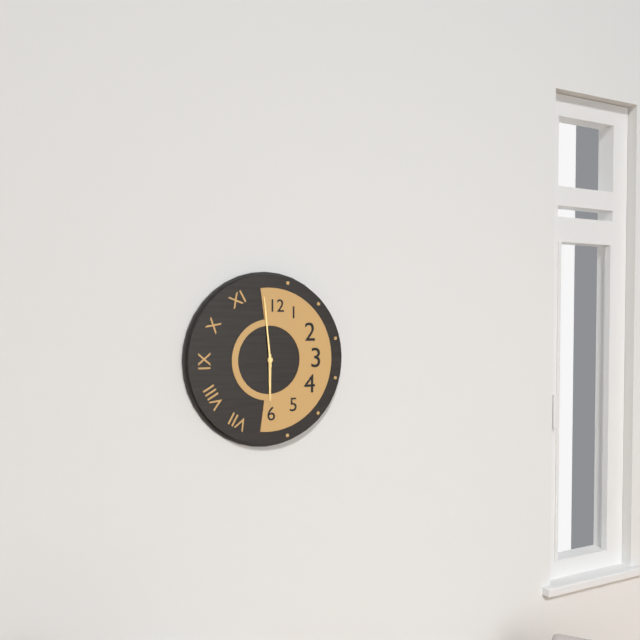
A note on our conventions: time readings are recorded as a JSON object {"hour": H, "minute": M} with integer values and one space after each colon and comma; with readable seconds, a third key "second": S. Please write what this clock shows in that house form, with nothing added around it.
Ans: {"hour": 5, "minute": 59}
